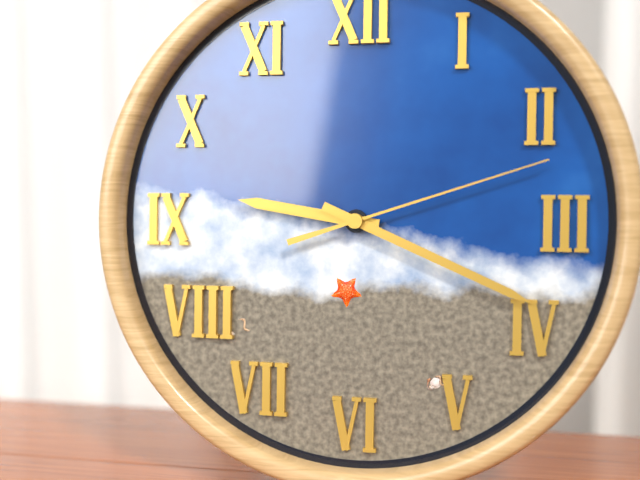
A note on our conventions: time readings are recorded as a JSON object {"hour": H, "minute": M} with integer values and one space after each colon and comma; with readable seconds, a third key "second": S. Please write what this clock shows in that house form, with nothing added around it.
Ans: {"hour": 9, "minute": 19, "second": 12}
